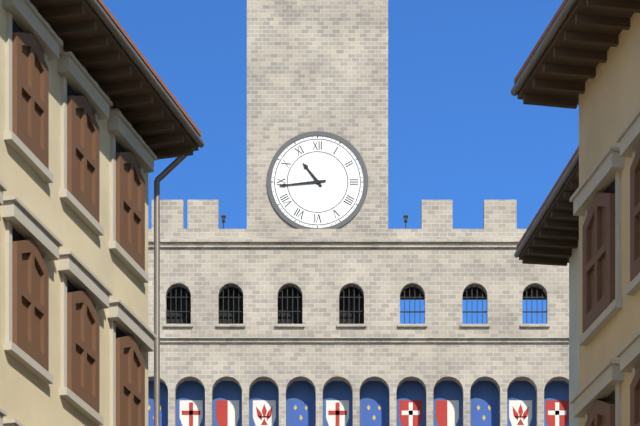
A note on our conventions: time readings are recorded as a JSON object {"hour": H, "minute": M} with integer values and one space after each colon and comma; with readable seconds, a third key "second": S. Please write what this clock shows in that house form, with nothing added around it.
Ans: {"hour": 10, "minute": 44}
